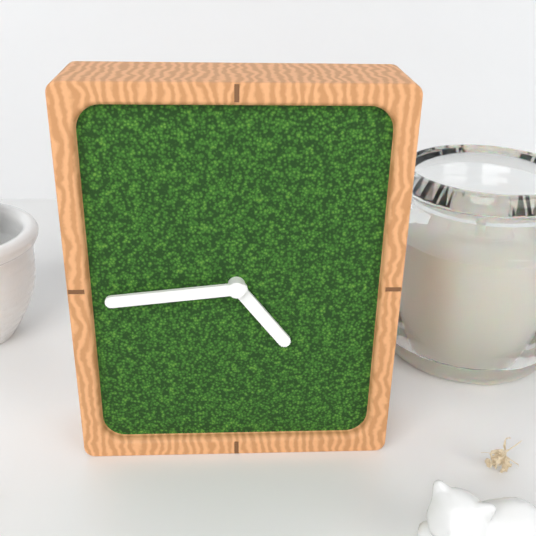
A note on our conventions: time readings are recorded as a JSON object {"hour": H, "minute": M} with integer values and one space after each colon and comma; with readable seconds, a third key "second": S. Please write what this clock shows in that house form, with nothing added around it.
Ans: {"hour": 4, "minute": 44}
